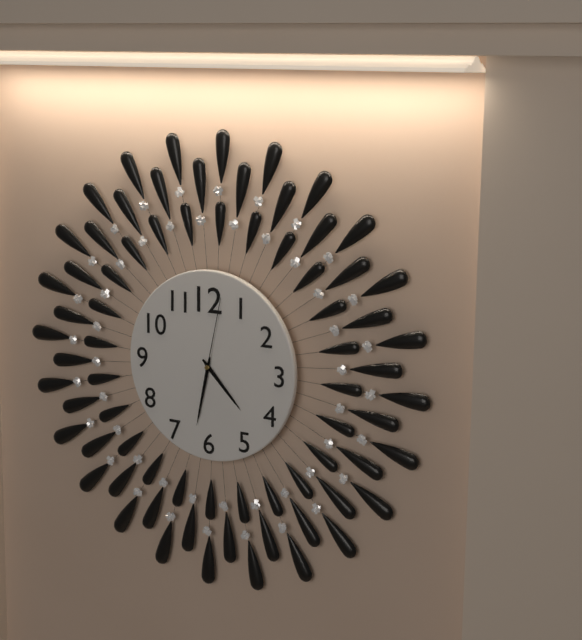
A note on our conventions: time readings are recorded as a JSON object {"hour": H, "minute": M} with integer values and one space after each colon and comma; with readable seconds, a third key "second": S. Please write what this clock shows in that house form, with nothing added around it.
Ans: {"hour": 4, "minute": 32, "second": 2}
